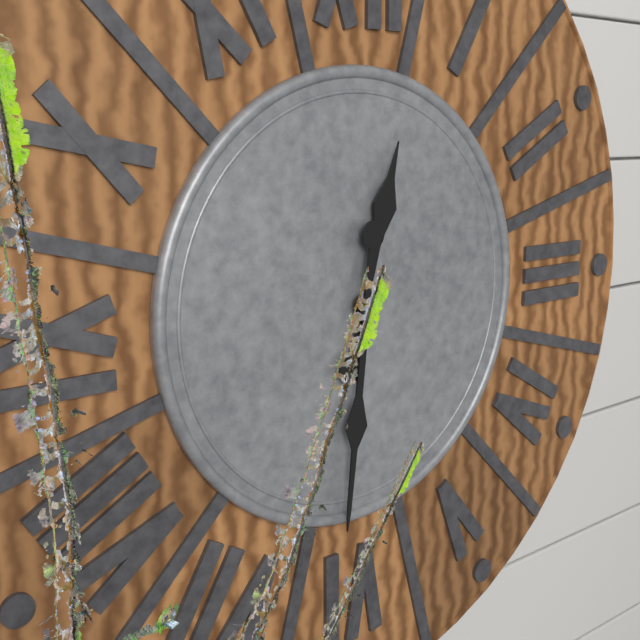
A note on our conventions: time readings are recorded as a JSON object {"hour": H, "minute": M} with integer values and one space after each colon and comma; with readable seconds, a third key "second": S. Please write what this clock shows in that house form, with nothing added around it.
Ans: {"hour": 12, "minute": 31}
